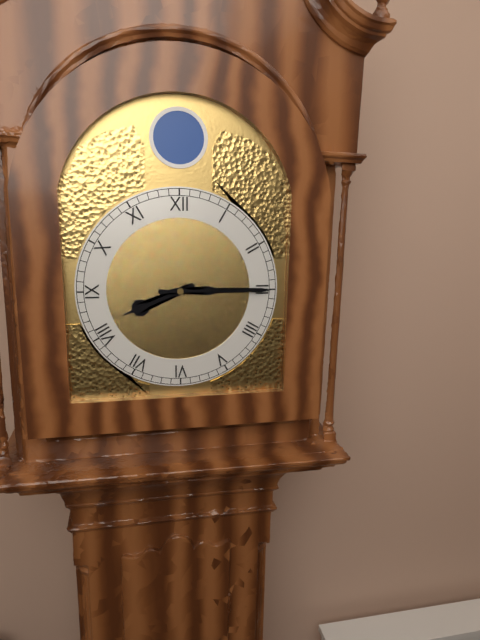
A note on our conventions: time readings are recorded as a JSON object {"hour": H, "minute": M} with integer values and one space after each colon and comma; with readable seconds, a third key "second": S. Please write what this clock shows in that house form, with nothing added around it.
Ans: {"hour": 8, "minute": 15}
